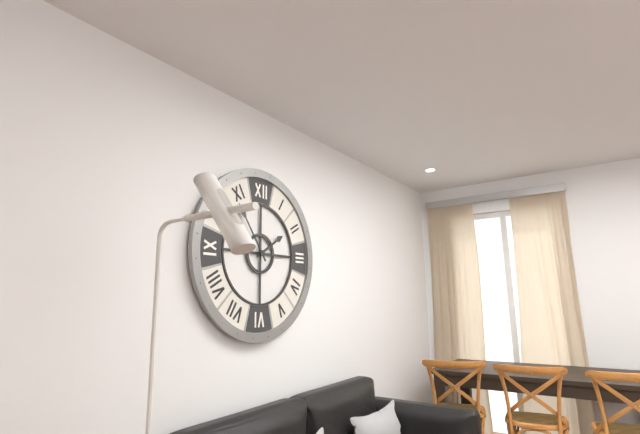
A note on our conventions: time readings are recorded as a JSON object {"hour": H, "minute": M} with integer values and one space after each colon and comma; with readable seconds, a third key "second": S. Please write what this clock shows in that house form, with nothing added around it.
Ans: {"hour": 1, "minute": 54}
